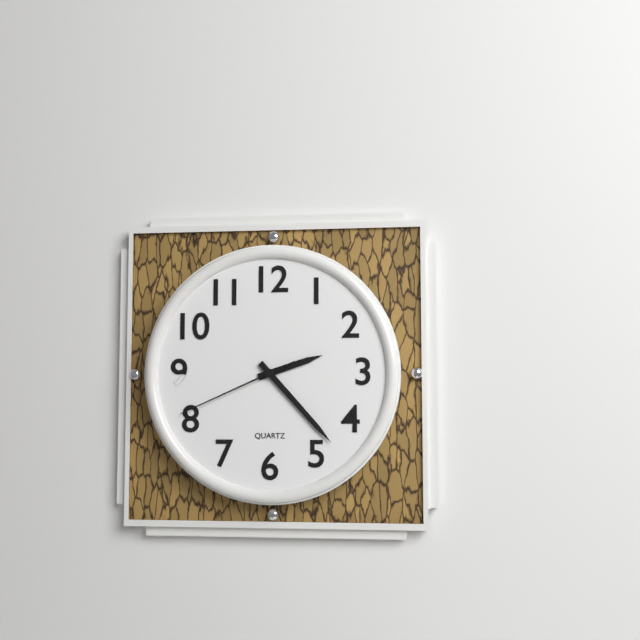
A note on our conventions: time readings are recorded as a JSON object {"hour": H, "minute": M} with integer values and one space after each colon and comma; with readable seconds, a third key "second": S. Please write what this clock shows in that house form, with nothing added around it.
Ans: {"hour": 2, "minute": 23, "second": 41}
